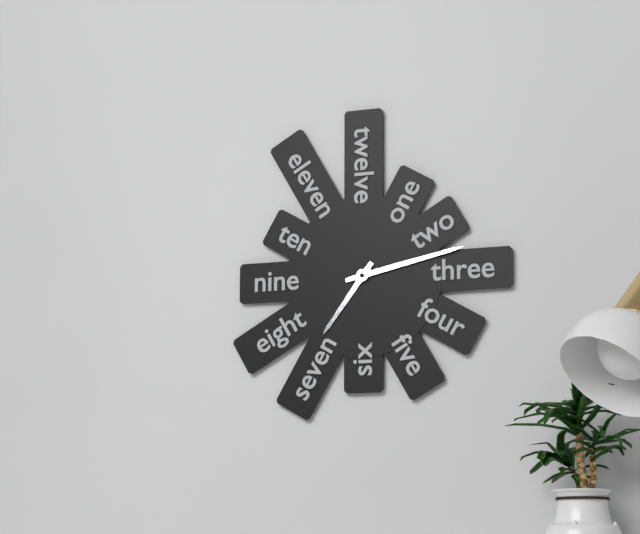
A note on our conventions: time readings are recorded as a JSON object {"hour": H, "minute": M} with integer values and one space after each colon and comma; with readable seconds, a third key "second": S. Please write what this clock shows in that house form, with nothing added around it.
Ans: {"hour": 7, "minute": 13}
